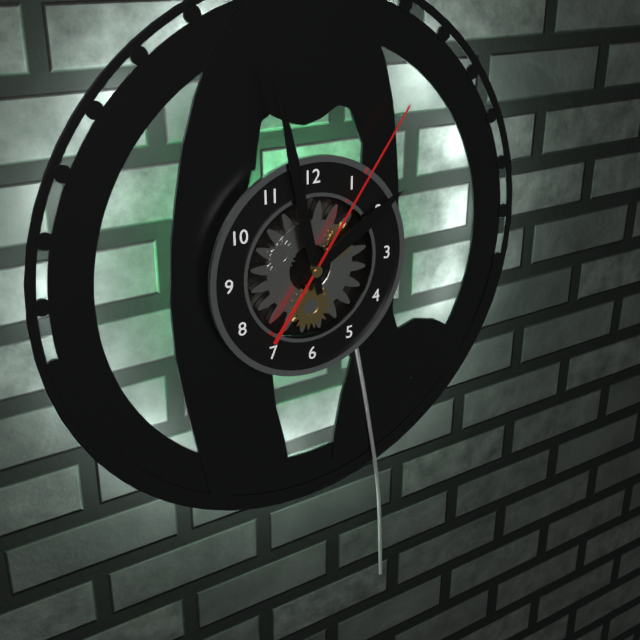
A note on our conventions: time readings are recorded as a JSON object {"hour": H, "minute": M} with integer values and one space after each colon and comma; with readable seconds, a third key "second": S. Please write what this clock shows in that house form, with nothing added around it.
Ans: {"hour": 1, "minute": 58, "second": 6}
